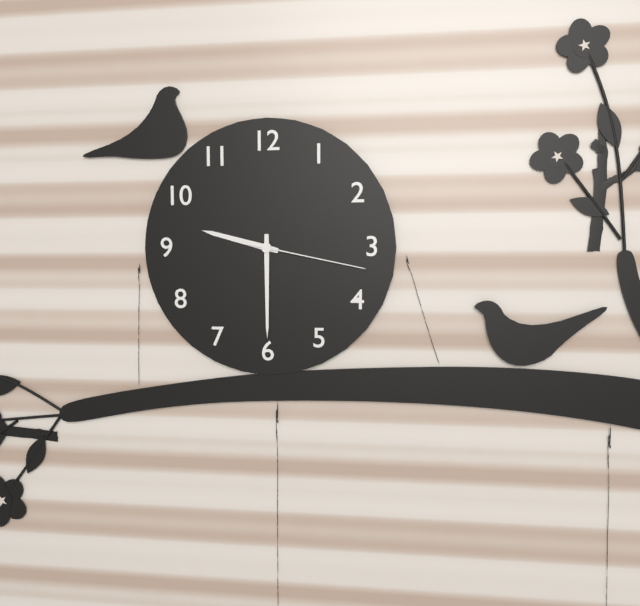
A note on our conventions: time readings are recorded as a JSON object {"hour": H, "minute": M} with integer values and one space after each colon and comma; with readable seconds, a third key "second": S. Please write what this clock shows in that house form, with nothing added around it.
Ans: {"hour": 9, "minute": 30, "second": 17}
